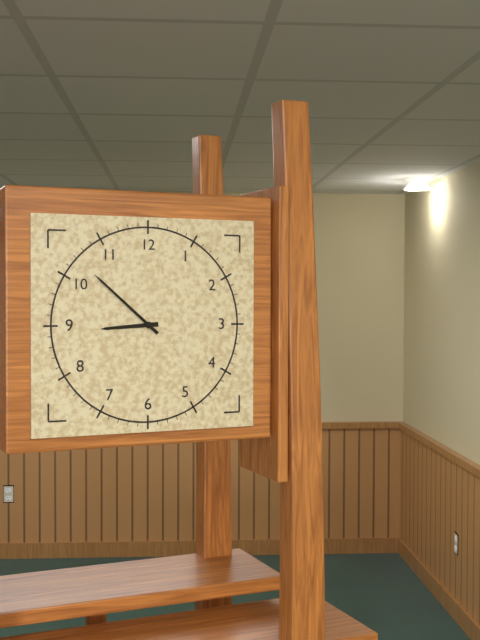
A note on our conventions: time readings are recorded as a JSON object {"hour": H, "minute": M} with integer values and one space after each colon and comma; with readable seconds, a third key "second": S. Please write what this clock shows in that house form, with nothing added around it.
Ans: {"hour": 8, "minute": 52}
